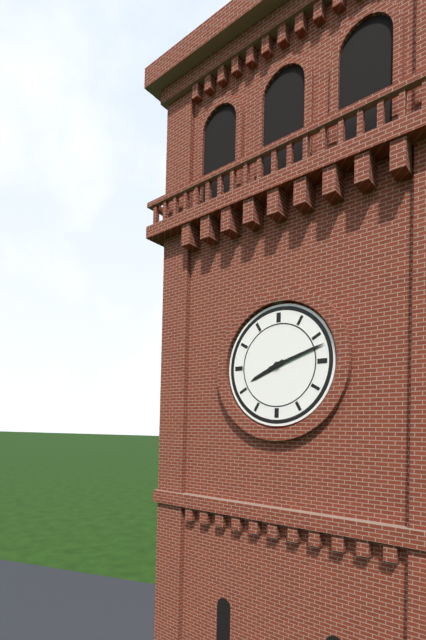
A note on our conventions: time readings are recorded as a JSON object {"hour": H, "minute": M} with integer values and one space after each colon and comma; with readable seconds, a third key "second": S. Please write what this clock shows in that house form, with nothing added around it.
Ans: {"hour": 8, "minute": 12}
